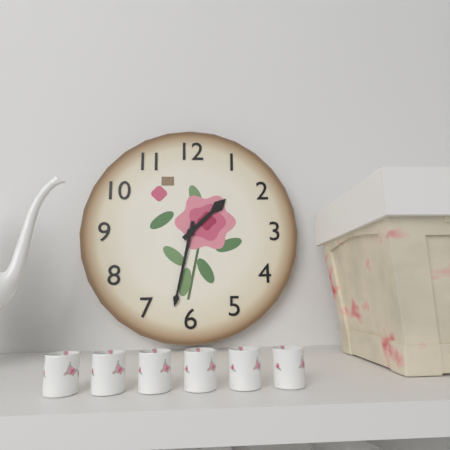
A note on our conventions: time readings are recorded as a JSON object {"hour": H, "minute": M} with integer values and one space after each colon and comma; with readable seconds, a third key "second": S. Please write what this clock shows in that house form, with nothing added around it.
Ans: {"hour": 1, "minute": 32}
